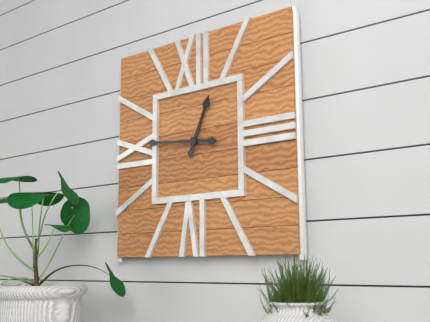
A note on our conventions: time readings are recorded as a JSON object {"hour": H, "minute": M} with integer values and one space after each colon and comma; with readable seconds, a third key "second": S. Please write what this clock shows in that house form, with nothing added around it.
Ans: {"hour": 12, "minute": 46}
